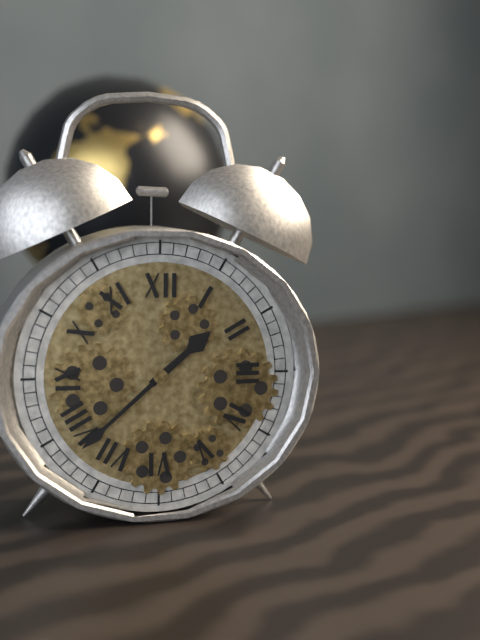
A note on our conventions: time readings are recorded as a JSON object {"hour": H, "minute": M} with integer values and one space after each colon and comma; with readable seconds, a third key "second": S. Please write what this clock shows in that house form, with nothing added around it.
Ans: {"hour": 1, "minute": 38}
